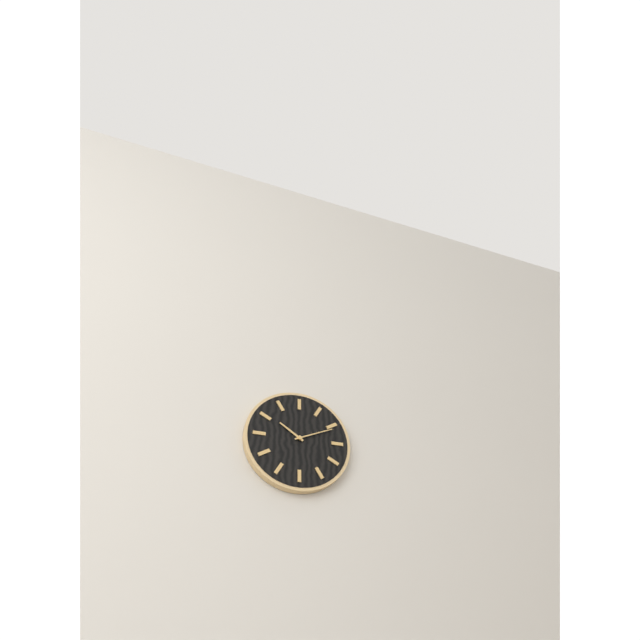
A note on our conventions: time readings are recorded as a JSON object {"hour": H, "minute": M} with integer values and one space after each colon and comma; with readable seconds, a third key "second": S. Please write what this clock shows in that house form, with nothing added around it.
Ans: {"hour": 10, "minute": 11}
